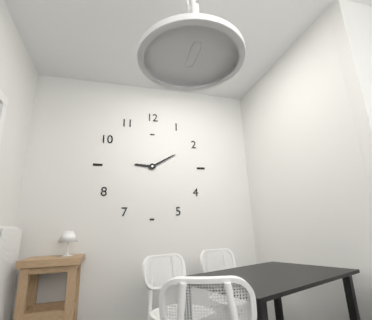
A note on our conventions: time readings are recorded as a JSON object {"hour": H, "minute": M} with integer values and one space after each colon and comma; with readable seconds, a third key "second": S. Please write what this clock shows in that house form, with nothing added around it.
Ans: {"hour": 9, "minute": 10}
